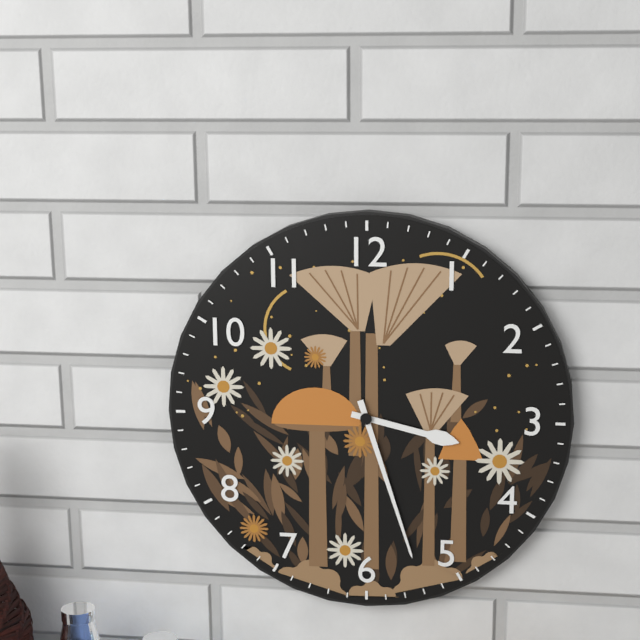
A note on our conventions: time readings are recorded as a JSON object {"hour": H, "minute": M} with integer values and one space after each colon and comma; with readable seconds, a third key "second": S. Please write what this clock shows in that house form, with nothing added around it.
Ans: {"hour": 3, "minute": 27}
